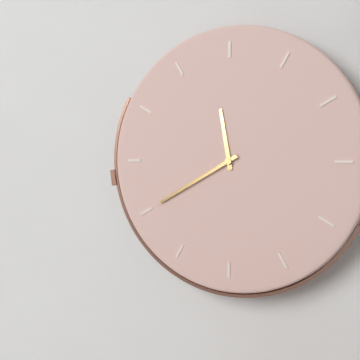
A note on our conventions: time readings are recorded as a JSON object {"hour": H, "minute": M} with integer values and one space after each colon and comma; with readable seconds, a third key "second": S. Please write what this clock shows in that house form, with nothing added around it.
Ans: {"hour": 11, "minute": 40}
